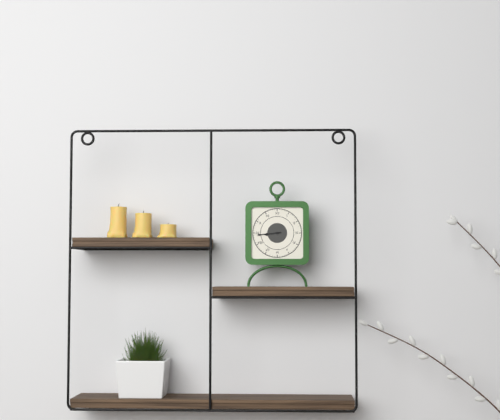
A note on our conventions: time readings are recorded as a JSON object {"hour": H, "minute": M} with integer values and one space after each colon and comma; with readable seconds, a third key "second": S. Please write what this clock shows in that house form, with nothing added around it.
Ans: {"hour": 8, "minute": 44}
